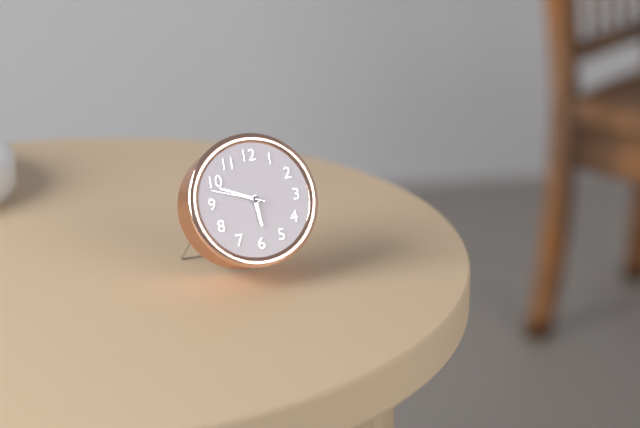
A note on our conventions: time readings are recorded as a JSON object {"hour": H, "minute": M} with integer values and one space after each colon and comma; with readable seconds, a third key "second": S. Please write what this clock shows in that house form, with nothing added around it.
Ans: {"hour": 5, "minute": 49, "second": 48}
